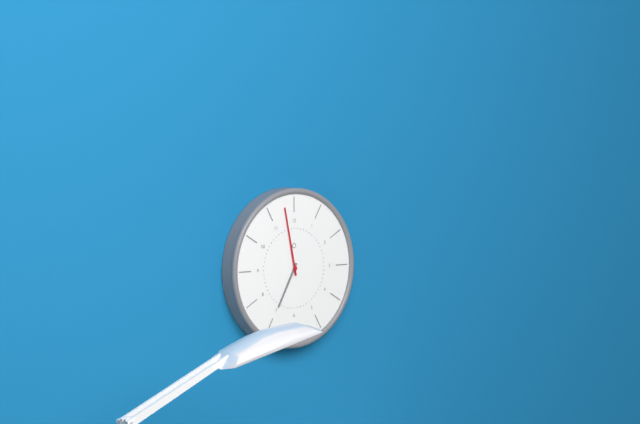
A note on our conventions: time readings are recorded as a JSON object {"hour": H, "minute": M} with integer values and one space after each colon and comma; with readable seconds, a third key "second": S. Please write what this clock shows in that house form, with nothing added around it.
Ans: {"hour": 6, "minute": 58}
